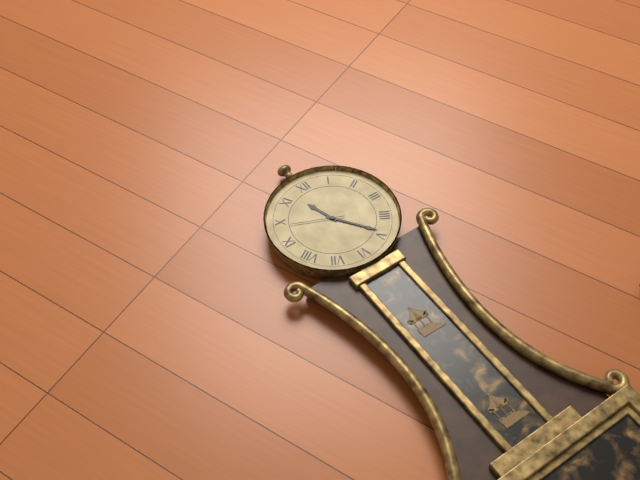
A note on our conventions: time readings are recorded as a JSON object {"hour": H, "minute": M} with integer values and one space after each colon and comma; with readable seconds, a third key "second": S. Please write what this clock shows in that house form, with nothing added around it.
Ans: {"hour": 11, "minute": 24, "second": 49}
